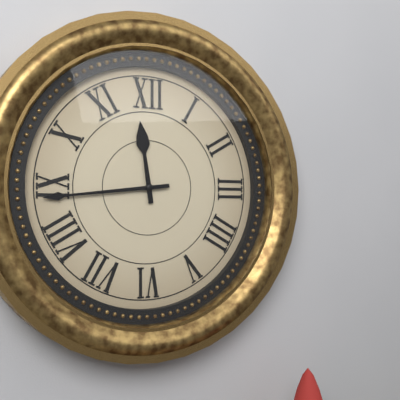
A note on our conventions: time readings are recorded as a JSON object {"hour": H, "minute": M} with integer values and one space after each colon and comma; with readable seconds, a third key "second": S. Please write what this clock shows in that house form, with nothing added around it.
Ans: {"hour": 11, "minute": 44}
